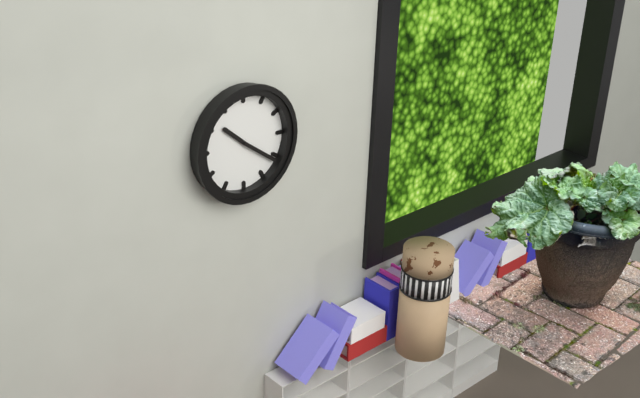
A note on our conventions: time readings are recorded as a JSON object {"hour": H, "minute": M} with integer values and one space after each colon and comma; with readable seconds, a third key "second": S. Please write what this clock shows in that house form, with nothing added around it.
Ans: {"hour": 10, "minute": 21}
